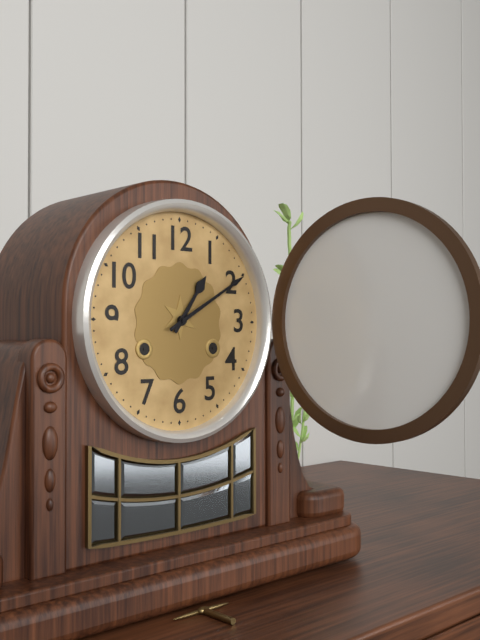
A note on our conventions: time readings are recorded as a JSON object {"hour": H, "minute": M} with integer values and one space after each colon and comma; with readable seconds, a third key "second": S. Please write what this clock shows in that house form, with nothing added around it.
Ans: {"hour": 1, "minute": 10}
